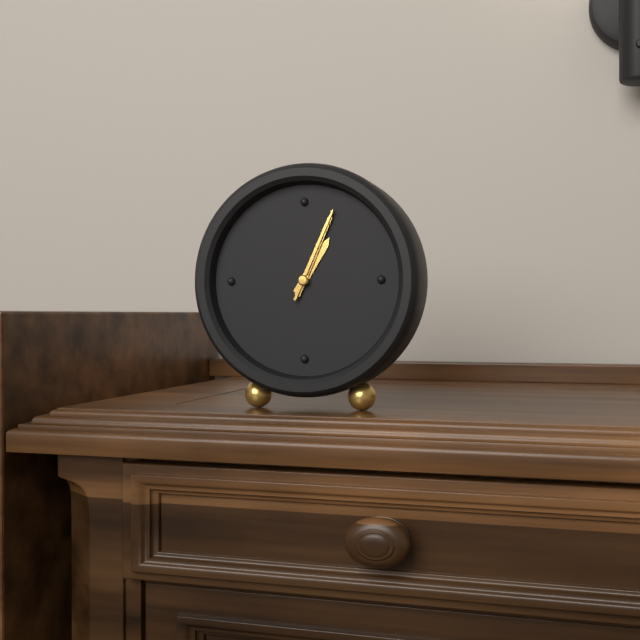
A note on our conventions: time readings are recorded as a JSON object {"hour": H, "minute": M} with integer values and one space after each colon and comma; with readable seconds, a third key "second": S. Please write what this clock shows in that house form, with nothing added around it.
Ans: {"hour": 1, "minute": 4, "second": 4}
